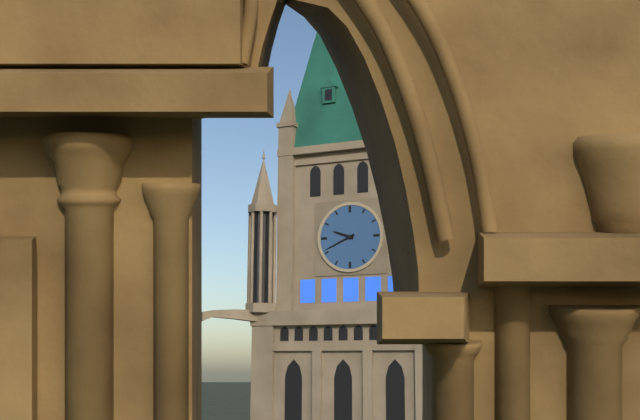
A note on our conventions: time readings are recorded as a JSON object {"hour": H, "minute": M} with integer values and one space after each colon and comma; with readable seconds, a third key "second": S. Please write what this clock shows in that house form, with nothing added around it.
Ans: {"hour": 9, "minute": 41}
